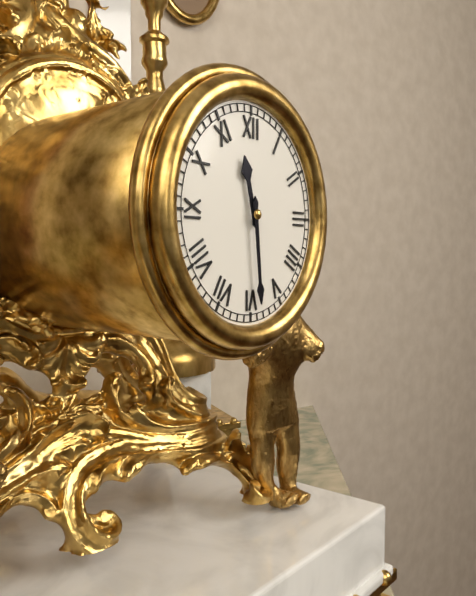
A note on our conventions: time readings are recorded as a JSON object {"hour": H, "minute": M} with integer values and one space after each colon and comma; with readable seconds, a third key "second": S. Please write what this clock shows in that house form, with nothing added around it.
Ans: {"hour": 11, "minute": 29}
